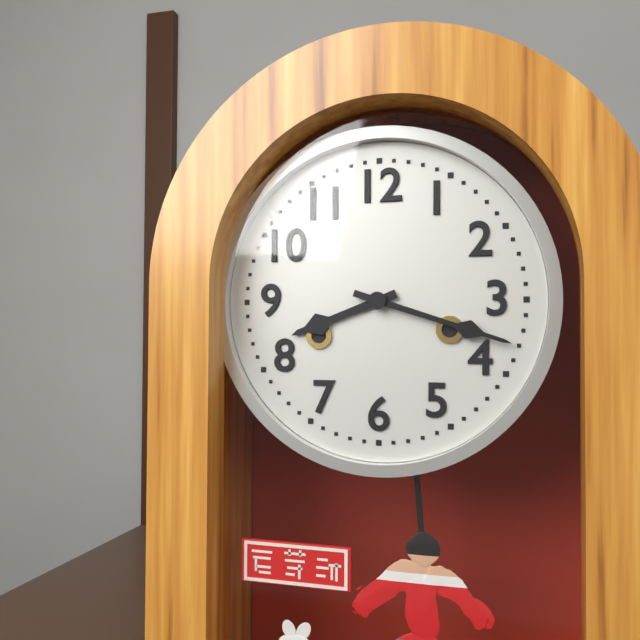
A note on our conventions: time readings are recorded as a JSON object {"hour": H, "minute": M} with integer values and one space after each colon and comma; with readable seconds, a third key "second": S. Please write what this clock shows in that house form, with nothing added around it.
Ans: {"hour": 8, "minute": 18}
